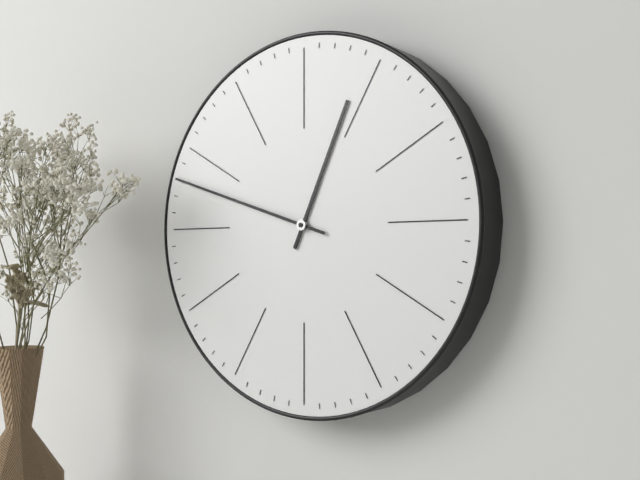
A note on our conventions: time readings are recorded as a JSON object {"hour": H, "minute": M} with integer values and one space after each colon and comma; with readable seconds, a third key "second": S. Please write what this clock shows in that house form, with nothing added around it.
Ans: {"hour": 12, "minute": 48}
